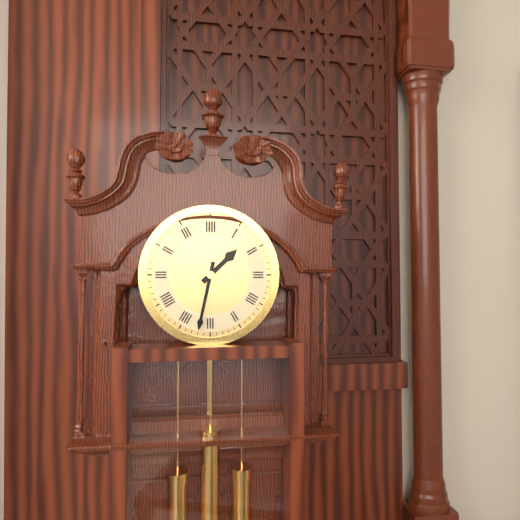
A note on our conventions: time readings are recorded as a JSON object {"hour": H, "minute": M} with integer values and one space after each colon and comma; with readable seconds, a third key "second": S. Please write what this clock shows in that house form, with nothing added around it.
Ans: {"hour": 1, "minute": 32}
